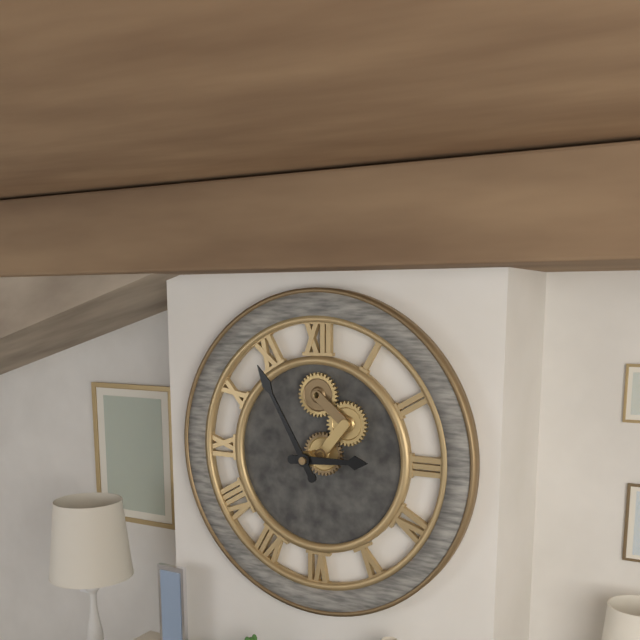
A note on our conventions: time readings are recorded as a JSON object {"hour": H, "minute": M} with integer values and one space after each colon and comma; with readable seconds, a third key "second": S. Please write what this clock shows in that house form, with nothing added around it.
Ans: {"hour": 2, "minute": 55}
